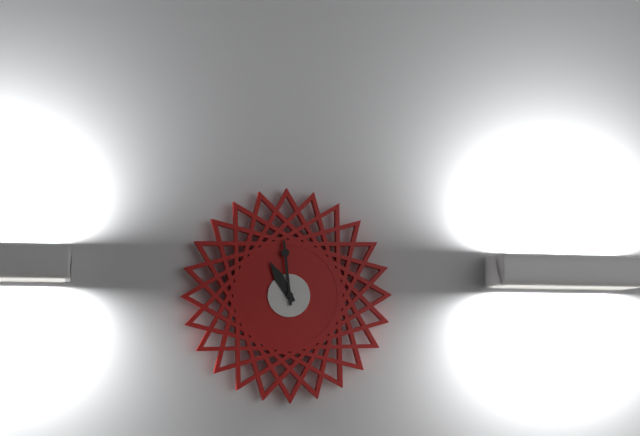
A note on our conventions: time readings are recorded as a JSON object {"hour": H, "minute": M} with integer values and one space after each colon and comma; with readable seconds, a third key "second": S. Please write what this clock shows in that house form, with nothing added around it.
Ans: {"hour": 10, "minute": 59}
